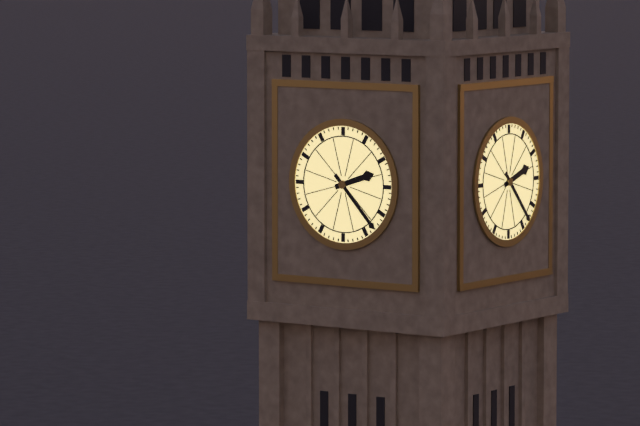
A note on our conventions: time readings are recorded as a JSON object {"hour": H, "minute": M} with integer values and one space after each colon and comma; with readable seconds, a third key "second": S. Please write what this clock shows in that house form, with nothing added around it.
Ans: {"hour": 2, "minute": 23}
